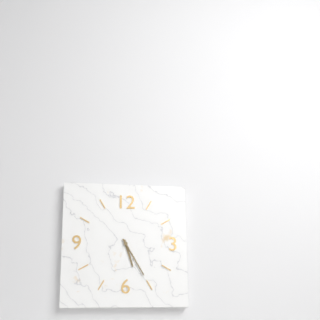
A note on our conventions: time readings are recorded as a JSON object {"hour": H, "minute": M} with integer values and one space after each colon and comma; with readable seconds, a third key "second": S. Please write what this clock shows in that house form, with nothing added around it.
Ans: {"hour": 5, "minute": 25}
